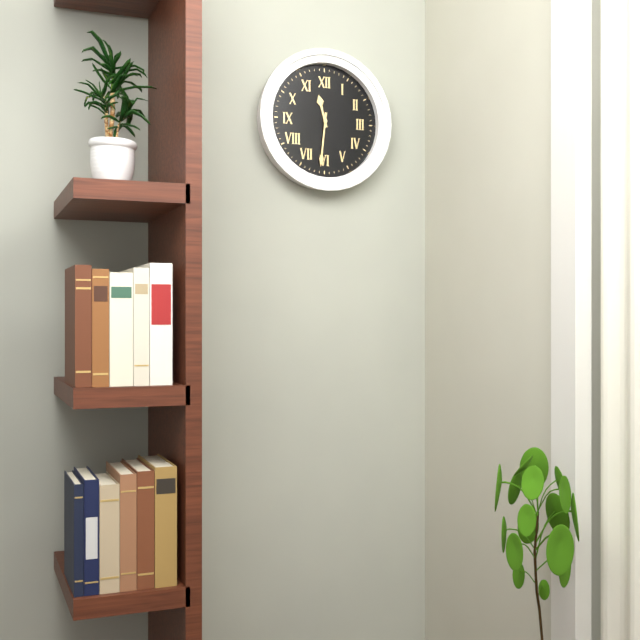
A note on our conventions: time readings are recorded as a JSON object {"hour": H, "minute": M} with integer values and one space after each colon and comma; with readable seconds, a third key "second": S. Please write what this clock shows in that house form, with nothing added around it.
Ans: {"hour": 11, "minute": 31}
